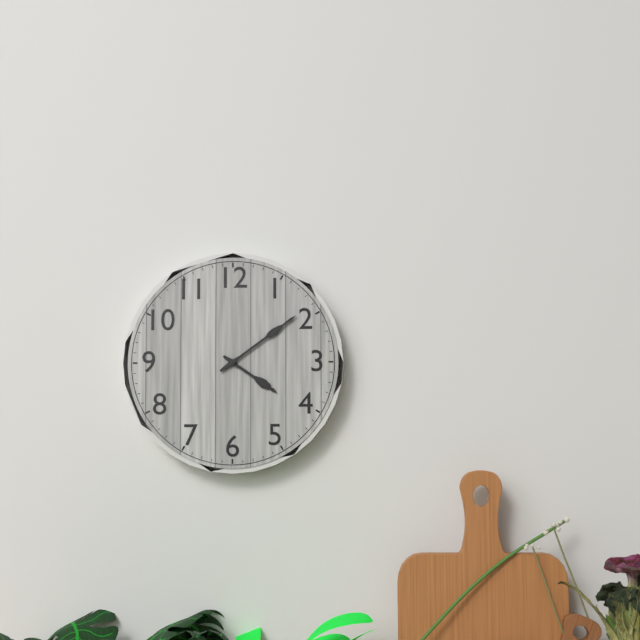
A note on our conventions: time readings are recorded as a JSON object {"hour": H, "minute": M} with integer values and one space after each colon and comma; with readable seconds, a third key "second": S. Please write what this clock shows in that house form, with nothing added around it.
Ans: {"hour": 4, "minute": 9}
